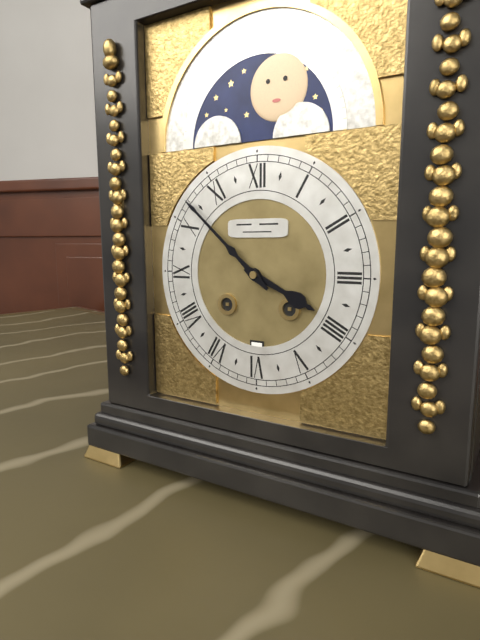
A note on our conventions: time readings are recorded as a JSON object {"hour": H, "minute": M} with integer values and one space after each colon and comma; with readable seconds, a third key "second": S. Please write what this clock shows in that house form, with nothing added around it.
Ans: {"hour": 3, "minute": 52}
